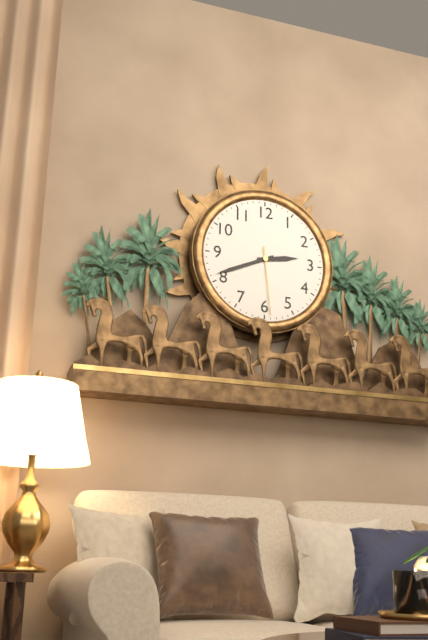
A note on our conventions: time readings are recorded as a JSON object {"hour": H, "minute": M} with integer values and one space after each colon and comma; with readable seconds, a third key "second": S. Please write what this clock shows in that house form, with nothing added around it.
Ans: {"hour": 2, "minute": 41, "second": 29}
